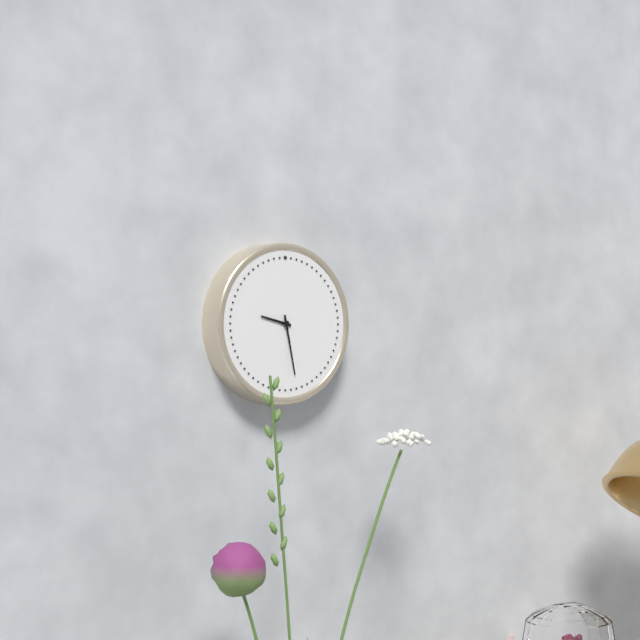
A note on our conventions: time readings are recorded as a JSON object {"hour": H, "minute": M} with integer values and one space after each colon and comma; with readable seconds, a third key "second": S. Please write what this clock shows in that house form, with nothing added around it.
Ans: {"hour": 9, "minute": 28}
